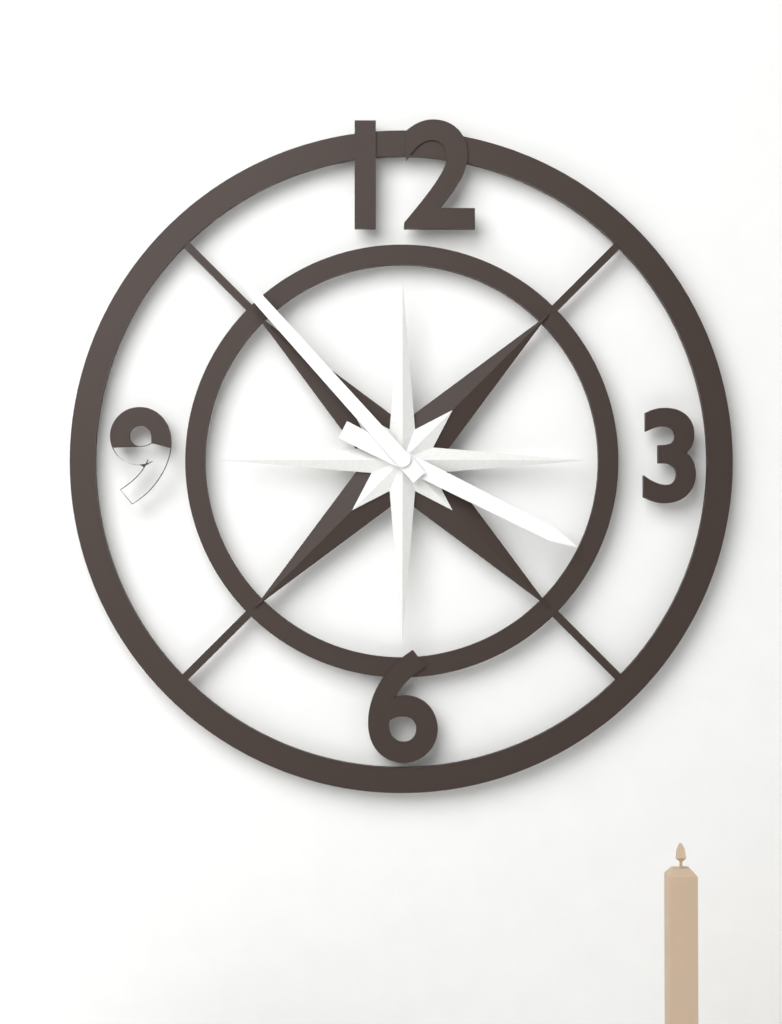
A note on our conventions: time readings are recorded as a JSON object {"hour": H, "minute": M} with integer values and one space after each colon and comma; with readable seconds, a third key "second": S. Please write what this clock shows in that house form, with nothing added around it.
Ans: {"hour": 3, "minute": 53}
